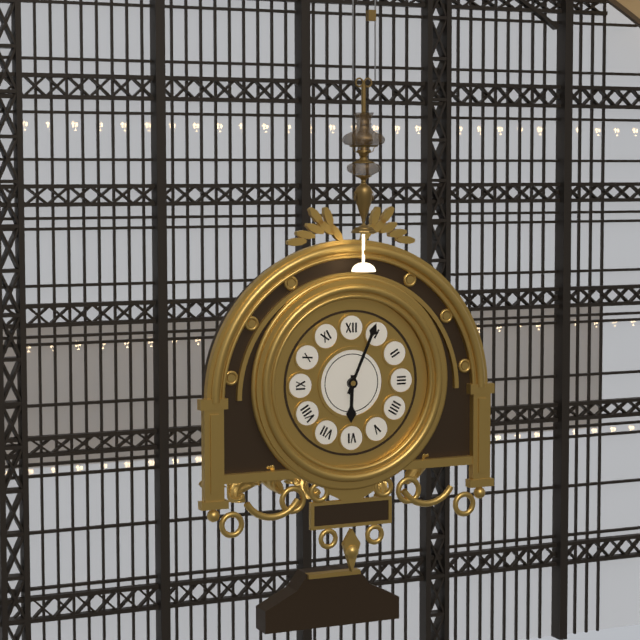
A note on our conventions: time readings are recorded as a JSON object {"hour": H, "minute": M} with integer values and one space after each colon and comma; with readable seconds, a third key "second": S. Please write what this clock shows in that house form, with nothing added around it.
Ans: {"hour": 6, "minute": 4}
